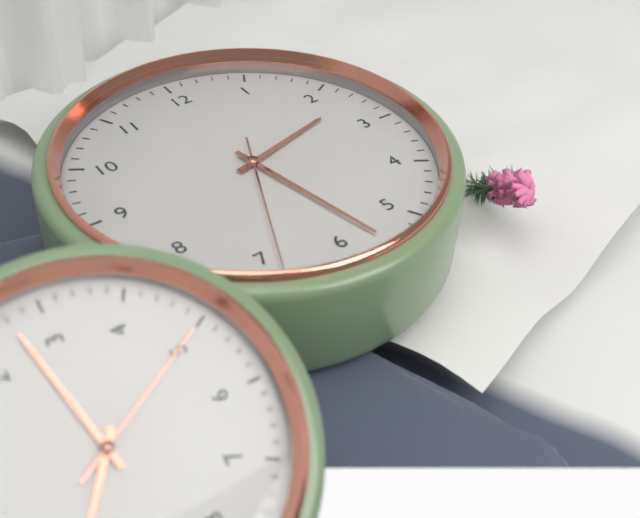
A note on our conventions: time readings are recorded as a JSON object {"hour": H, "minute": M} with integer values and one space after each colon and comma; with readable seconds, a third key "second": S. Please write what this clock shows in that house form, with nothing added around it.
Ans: {"hour": 2, "minute": 28, "second": 34}
